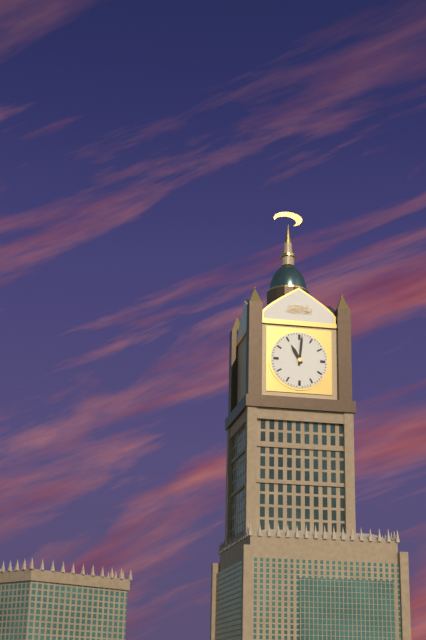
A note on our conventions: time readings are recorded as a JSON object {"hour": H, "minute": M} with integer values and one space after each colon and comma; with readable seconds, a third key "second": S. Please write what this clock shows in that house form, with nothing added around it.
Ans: {"hour": 11, "minute": 1}
